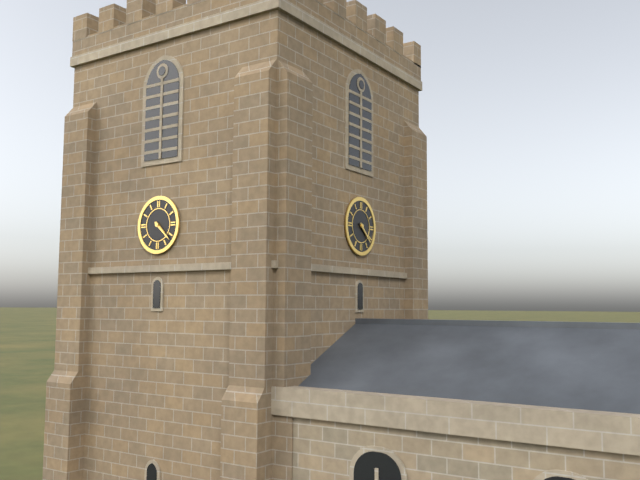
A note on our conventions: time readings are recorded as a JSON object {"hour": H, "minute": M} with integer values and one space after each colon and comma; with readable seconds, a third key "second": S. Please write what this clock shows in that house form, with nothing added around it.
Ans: {"hour": 4, "minute": 22}
